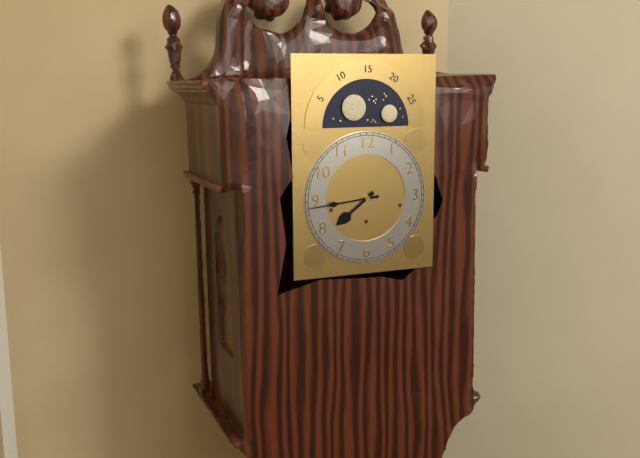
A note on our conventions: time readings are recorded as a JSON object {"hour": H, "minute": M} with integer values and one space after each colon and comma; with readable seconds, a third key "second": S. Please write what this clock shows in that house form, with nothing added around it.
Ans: {"hour": 7, "minute": 44}
